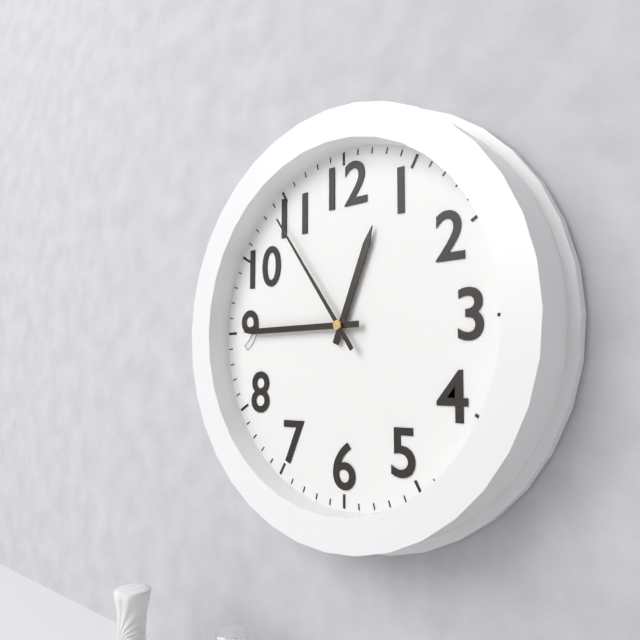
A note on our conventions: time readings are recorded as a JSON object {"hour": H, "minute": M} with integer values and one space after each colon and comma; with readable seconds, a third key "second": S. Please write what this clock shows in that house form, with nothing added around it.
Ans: {"hour": 12, "minute": 45, "second": 54}
